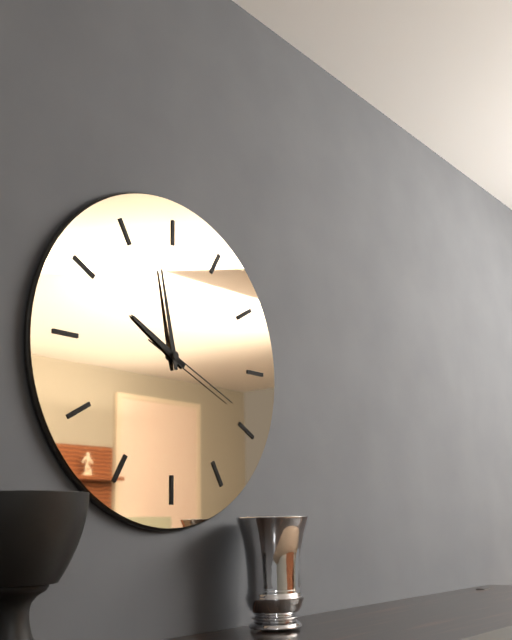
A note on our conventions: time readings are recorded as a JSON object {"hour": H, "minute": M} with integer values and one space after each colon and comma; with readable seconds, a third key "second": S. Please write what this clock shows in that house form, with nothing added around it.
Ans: {"hour": 9, "minute": 58, "second": 19}
